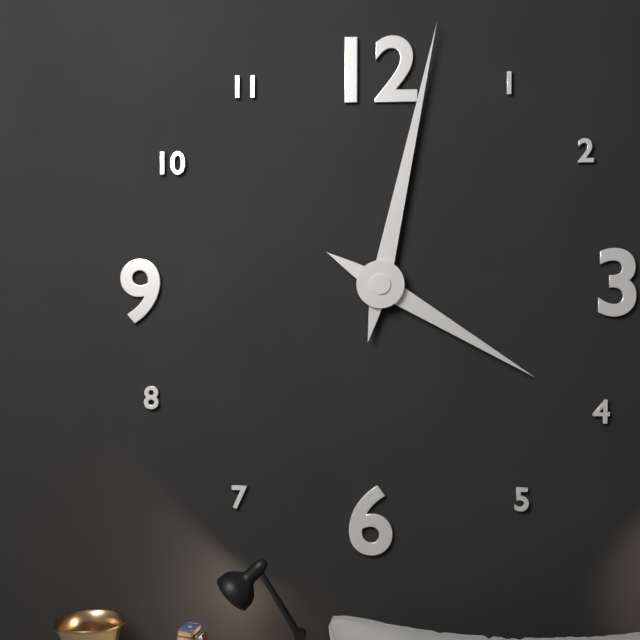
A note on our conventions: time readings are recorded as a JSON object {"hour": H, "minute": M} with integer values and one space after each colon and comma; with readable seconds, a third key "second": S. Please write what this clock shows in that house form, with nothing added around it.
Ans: {"hour": 4, "minute": 2}
